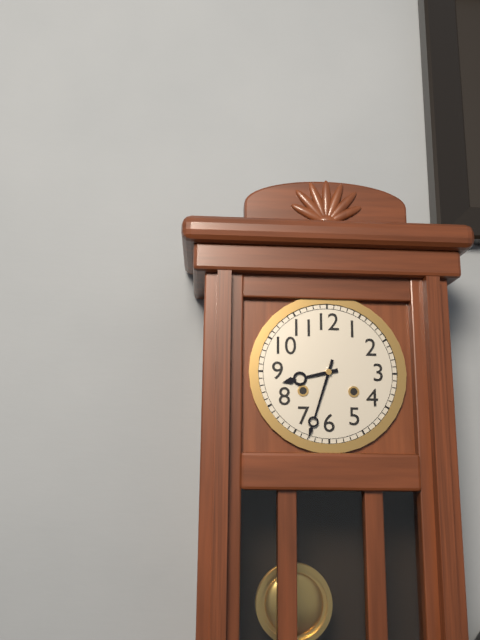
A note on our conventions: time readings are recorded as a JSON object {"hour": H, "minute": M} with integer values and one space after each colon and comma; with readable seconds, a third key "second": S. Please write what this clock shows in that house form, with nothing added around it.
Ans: {"hour": 8, "minute": 33}
